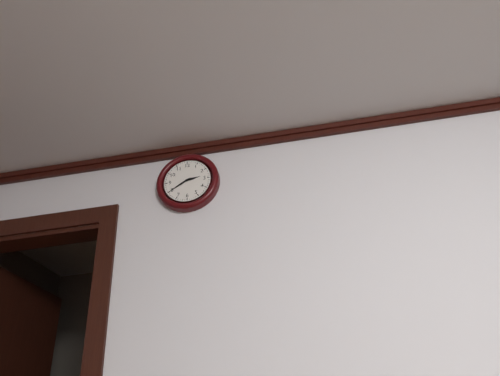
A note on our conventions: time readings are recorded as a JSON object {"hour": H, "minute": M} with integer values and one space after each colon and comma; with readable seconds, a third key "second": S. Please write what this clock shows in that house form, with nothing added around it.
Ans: {"hour": 2, "minute": 40}
